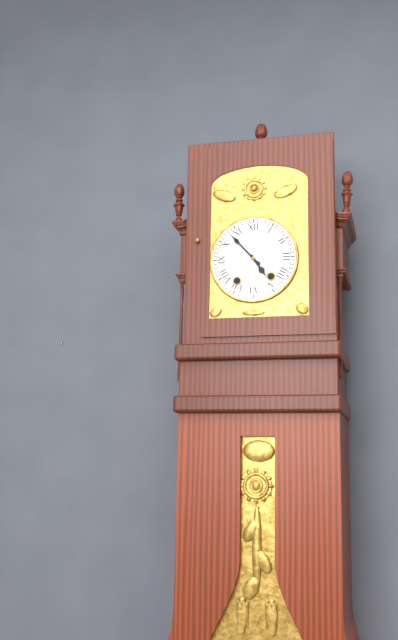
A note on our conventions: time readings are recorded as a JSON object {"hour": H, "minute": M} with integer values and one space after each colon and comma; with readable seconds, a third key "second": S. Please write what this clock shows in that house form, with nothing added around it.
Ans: {"hour": 4, "minute": 53}
